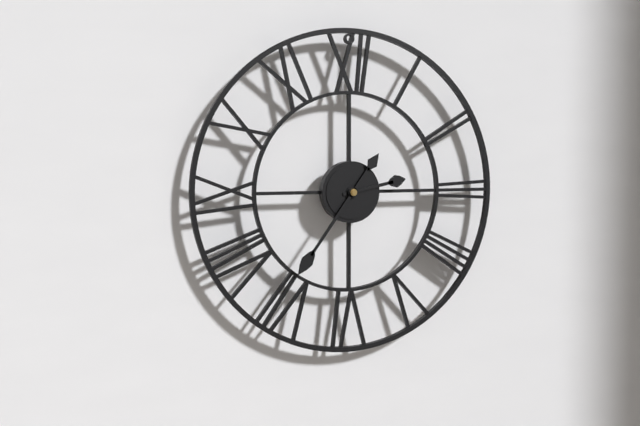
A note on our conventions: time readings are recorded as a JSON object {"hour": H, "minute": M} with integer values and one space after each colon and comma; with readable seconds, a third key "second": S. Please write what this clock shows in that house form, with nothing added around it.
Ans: {"hour": 2, "minute": 36}
